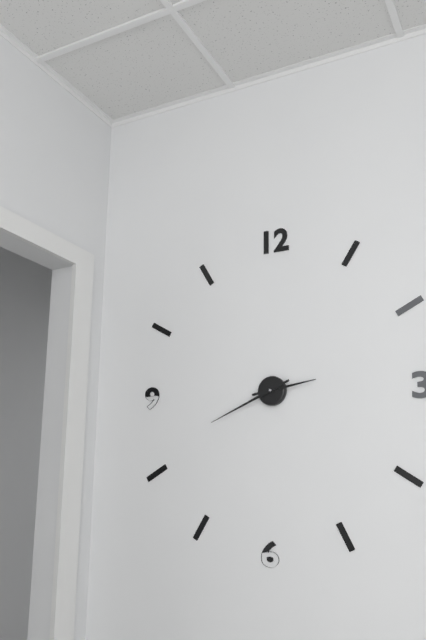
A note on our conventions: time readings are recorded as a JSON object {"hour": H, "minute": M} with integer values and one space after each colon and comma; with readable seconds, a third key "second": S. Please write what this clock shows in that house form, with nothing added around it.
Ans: {"hour": 2, "minute": 41}
